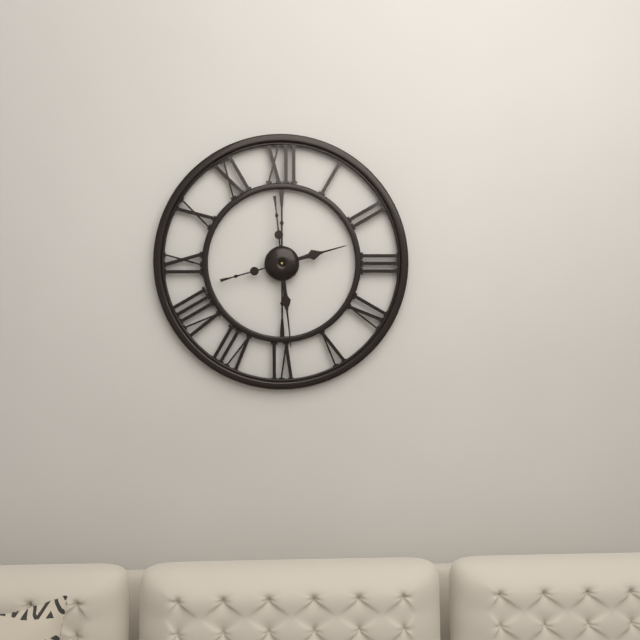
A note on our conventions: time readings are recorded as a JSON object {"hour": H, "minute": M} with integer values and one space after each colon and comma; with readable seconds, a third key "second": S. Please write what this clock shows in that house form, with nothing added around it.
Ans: {"hour": 2, "minute": 29}
